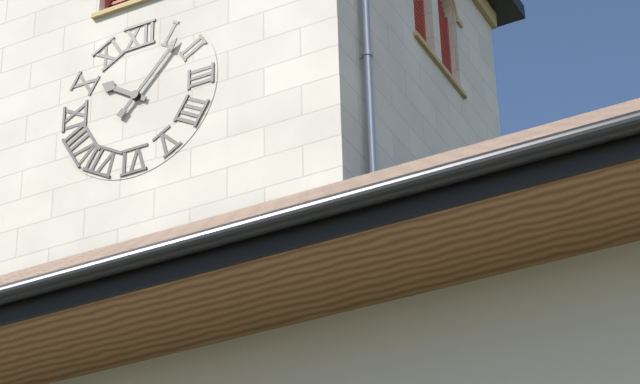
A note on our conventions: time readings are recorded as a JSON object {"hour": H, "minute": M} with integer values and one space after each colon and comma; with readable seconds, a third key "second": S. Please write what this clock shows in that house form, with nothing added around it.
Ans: {"hour": 10, "minute": 7}
